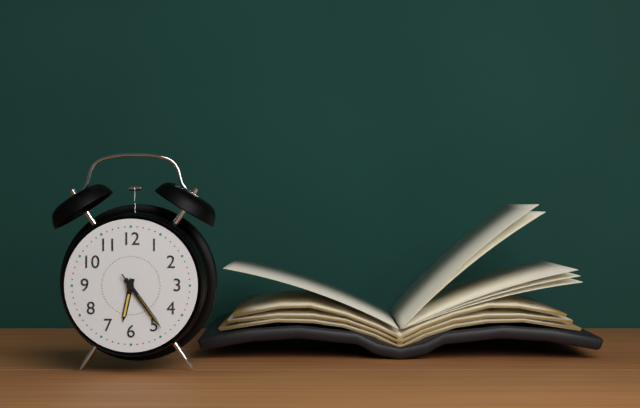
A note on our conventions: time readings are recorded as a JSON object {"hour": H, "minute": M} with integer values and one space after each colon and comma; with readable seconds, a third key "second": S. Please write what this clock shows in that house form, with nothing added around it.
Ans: {"hour": 6, "minute": 24, "second": 24}
